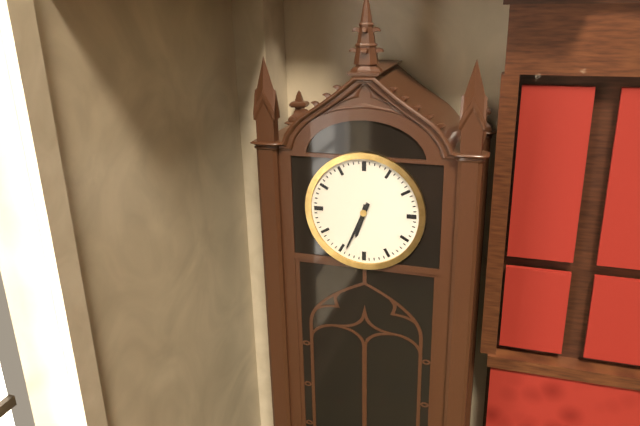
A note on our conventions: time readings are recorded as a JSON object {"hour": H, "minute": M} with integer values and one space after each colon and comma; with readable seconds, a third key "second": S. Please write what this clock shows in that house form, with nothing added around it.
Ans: {"hour": 6, "minute": 34}
